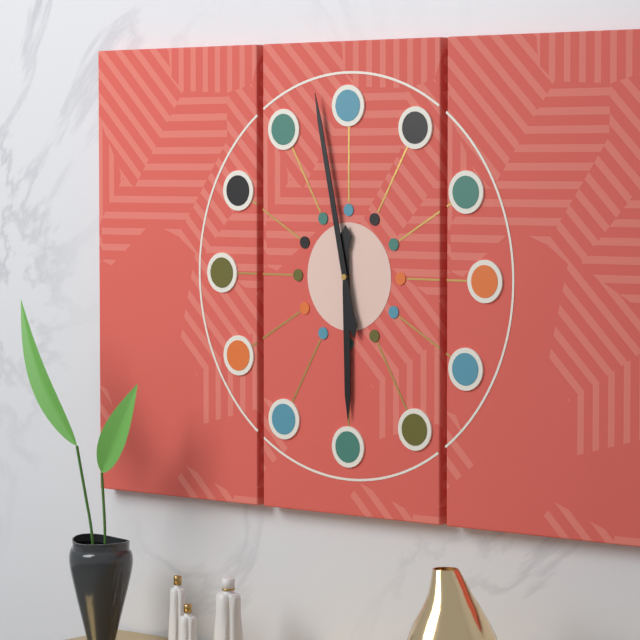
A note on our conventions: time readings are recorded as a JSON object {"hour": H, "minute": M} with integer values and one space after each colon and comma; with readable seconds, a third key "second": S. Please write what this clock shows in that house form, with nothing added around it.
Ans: {"hour": 5, "minute": 58}
